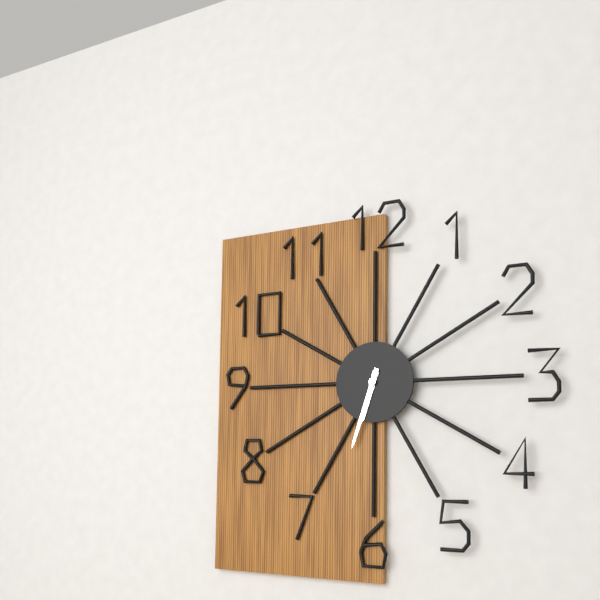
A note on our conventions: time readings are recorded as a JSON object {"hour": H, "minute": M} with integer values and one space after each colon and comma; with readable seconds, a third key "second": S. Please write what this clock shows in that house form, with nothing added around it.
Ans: {"hour": 6, "minute": 33}
